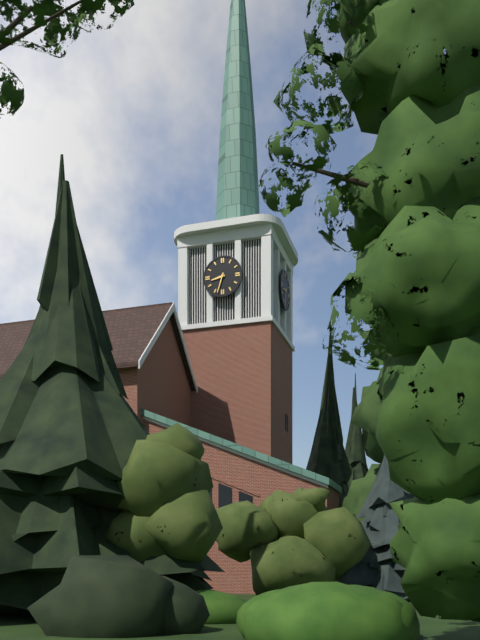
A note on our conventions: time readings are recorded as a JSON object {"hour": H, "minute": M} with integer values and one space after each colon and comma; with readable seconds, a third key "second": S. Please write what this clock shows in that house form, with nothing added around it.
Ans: {"hour": 8, "minute": 33}
